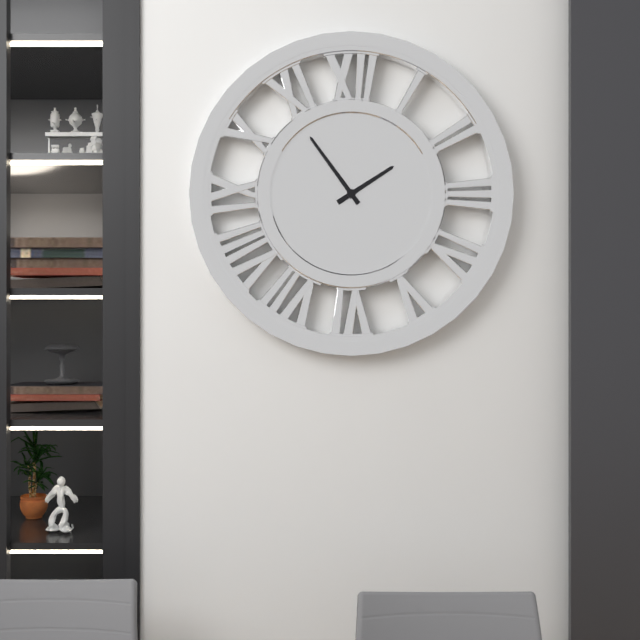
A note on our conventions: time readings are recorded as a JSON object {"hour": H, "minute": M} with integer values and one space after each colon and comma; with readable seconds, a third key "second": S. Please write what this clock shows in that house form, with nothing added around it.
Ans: {"hour": 1, "minute": 54}
